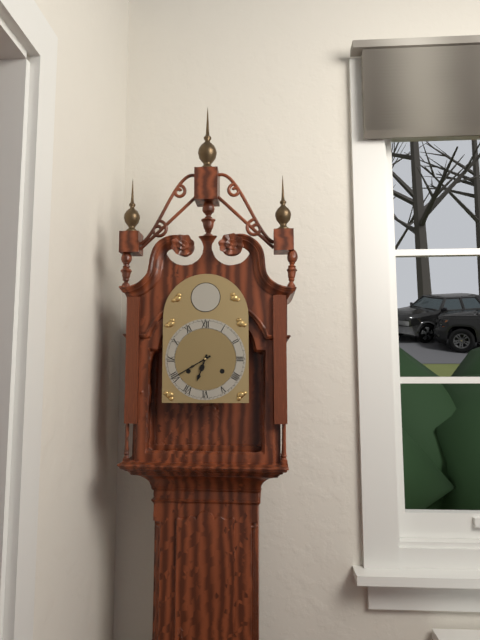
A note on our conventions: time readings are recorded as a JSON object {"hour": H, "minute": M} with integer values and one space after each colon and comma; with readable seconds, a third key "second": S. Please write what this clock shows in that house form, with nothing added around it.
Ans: {"hour": 6, "minute": 40}
